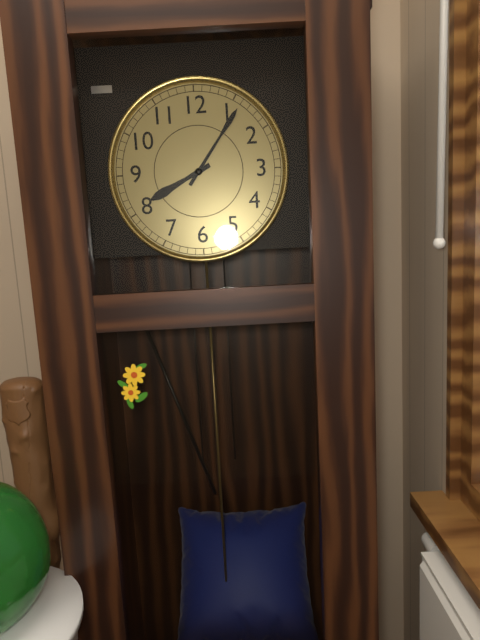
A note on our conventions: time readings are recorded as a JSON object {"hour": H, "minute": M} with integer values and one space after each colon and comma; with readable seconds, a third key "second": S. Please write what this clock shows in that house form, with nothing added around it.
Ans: {"hour": 8, "minute": 6}
